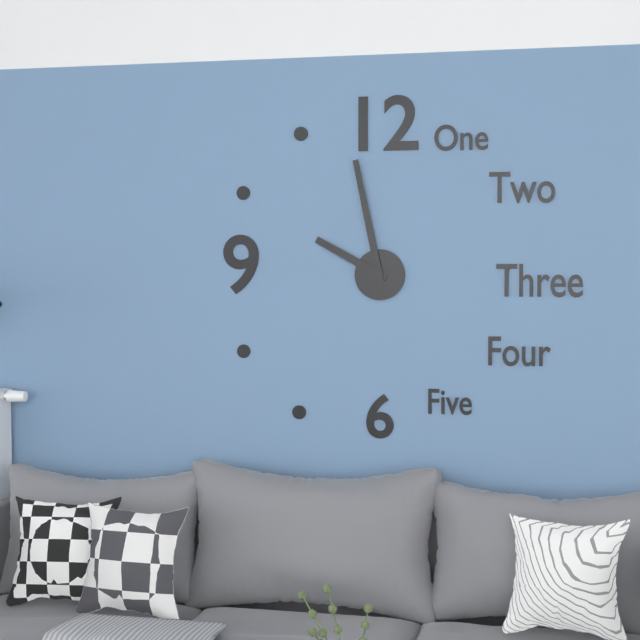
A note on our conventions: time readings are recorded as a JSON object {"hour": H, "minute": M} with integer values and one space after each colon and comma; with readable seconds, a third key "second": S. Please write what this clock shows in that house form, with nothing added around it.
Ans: {"hour": 9, "minute": 58}
